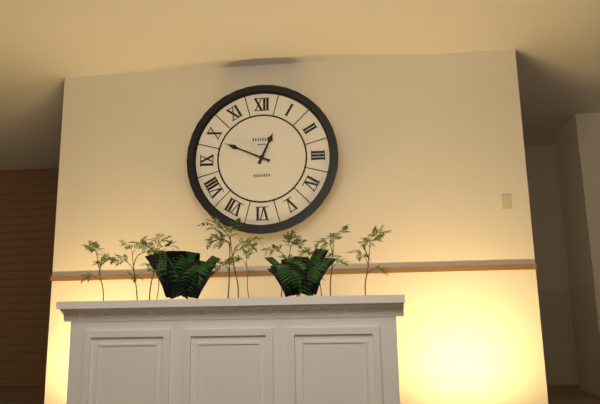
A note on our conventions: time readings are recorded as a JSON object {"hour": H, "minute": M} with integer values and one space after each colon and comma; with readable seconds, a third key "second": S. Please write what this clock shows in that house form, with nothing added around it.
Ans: {"hour": 12, "minute": 49}
